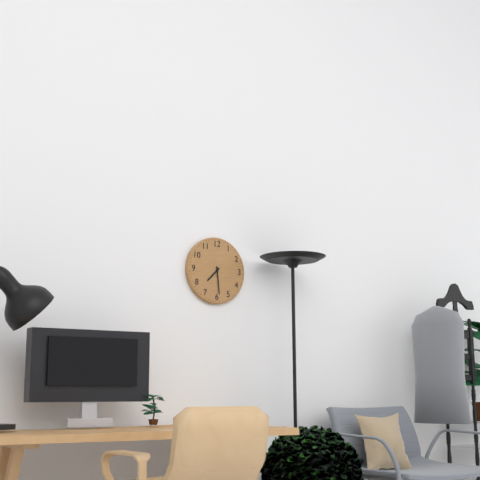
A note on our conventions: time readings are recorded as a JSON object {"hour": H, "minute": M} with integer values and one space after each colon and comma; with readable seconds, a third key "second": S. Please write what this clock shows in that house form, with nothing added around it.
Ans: {"hour": 7, "minute": 29}
